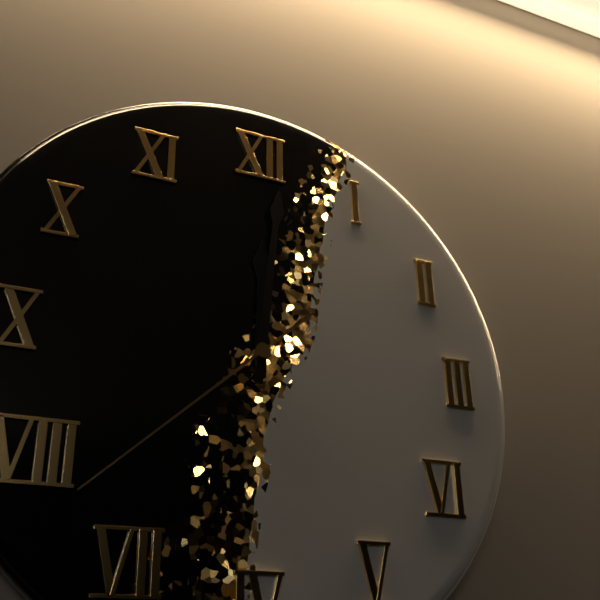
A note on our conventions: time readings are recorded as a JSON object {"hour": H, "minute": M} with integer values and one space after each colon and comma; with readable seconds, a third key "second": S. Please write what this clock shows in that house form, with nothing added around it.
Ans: {"hour": 12, "minute": 1, "second": 38}
